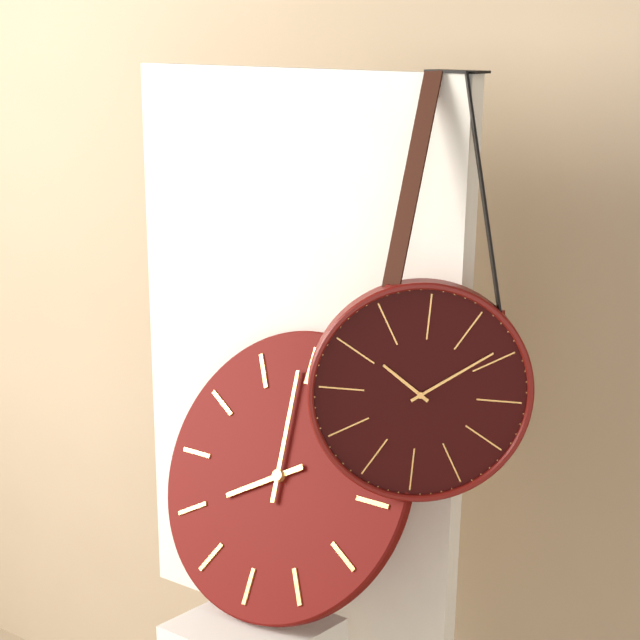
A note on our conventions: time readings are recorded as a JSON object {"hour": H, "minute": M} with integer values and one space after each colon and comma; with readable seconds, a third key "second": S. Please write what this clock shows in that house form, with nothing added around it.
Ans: {"hour": 7, "minute": 59}
